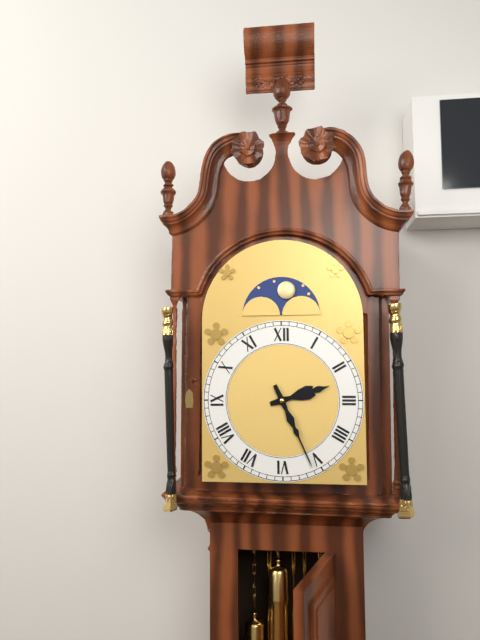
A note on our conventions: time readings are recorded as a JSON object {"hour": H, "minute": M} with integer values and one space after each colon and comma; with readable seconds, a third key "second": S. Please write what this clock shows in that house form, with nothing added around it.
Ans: {"hour": 2, "minute": 26}
